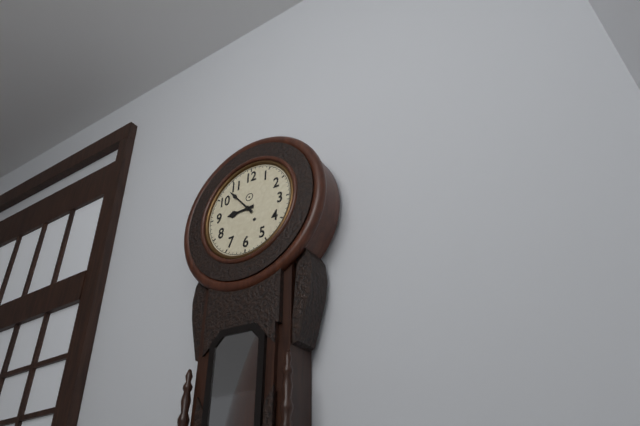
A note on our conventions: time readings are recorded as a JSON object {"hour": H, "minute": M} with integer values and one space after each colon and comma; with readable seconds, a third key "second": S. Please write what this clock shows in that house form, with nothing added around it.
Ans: {"hour": 8, "minute": 53}
